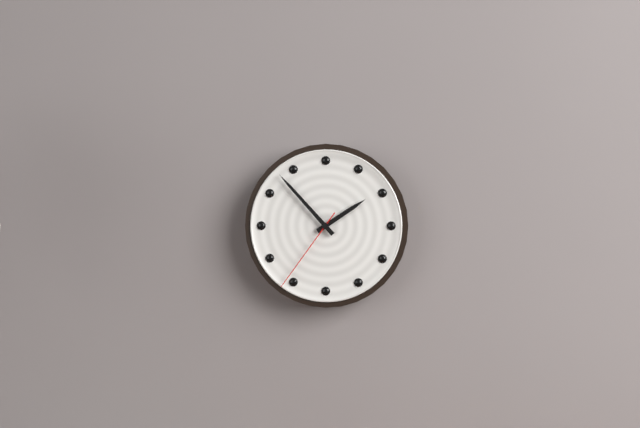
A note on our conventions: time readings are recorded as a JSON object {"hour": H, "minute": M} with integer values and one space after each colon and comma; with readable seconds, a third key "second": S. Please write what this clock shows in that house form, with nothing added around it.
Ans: {"hour": 1, "minute": 53, "second": 36}
